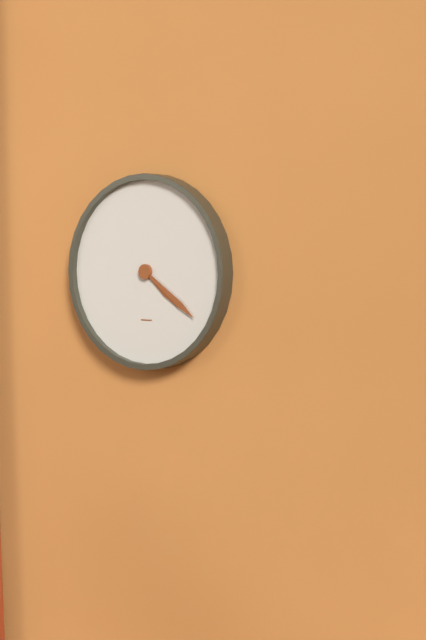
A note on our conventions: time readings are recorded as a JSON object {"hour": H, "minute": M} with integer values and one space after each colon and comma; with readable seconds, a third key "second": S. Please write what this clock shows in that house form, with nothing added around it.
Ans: {"hour": 4, "minute": 21}
